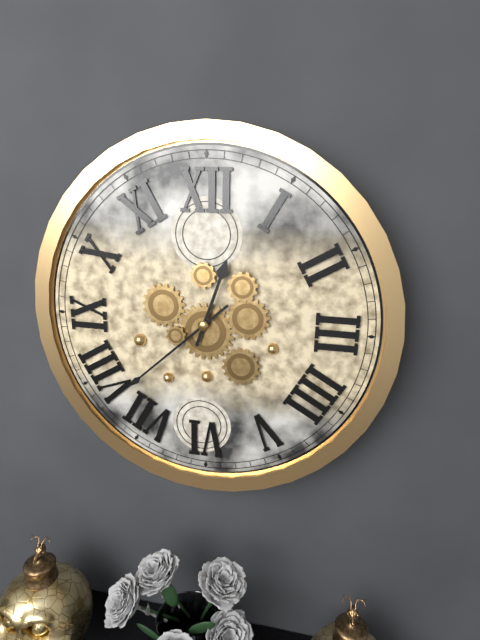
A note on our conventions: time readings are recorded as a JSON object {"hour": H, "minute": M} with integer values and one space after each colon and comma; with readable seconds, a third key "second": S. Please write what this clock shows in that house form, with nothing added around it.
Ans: {"hour": 12, "minute": 38}
